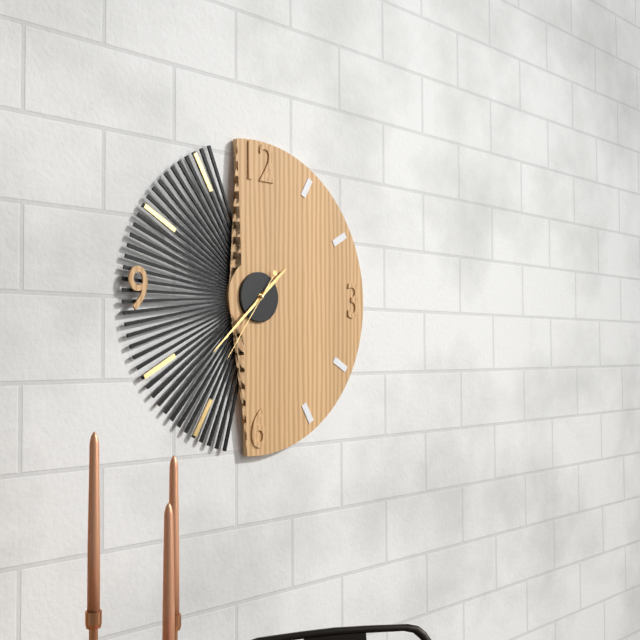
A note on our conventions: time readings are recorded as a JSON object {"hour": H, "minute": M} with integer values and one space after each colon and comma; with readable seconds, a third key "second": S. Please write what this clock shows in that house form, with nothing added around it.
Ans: {"hour": 1, "minute": 38, "second": 36}
